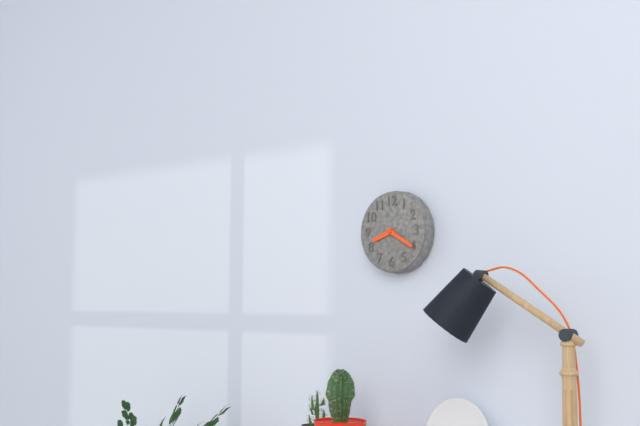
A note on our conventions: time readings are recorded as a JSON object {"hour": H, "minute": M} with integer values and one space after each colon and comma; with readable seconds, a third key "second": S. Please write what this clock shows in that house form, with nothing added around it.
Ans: {"hour": 8, "minute": 20}
